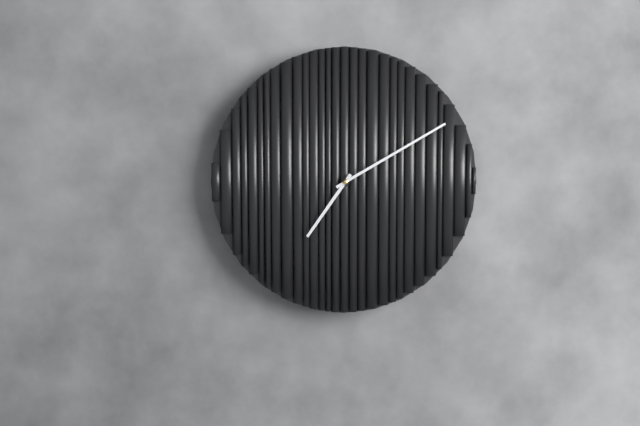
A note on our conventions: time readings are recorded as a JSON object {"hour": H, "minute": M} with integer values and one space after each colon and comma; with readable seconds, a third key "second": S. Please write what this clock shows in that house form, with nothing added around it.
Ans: {"hour": 7, "minute": 10}
